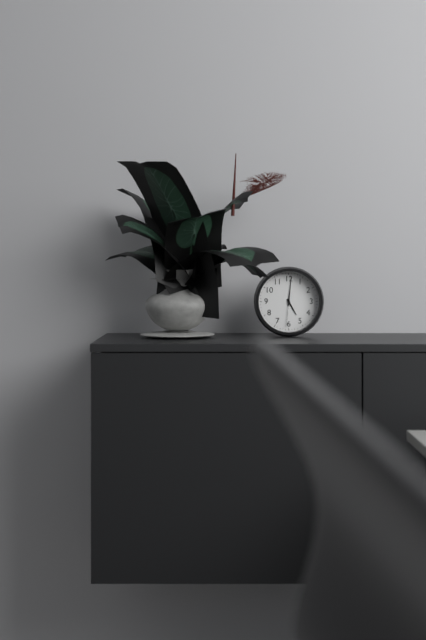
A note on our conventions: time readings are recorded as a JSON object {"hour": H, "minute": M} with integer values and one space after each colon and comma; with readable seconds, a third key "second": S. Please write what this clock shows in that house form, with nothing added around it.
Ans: {"hour": 5, "minute": 1}
